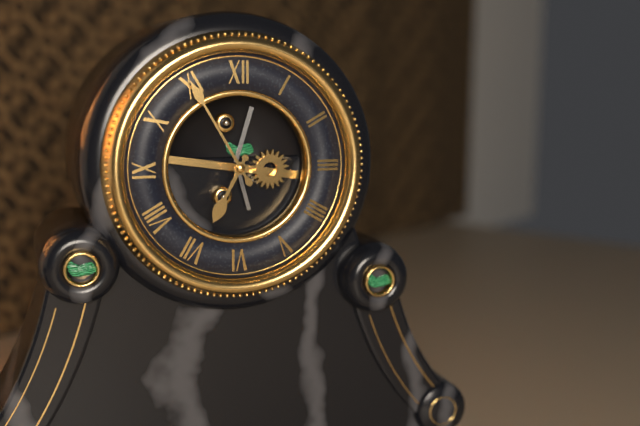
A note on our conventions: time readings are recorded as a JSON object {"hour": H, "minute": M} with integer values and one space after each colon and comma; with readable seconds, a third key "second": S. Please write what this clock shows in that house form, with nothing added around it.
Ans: {"hour": 6, "minute": 55}
